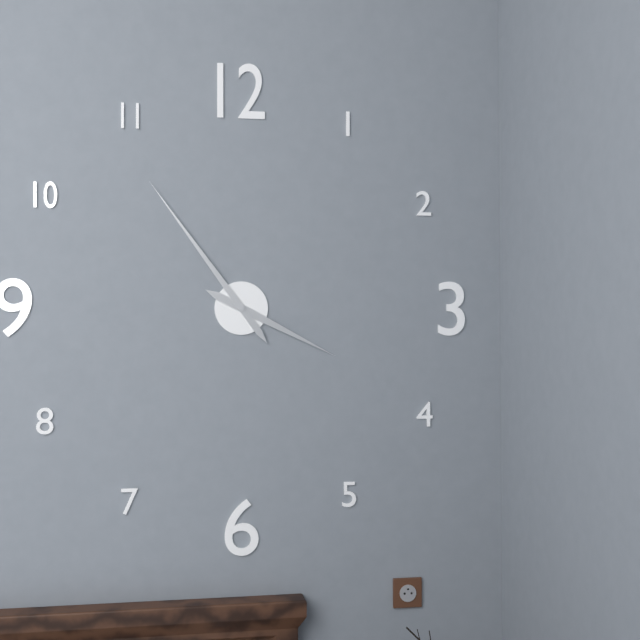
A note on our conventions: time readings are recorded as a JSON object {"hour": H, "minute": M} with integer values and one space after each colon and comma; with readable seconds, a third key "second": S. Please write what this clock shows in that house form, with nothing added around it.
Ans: {"hour": 3, "minute": 54}
